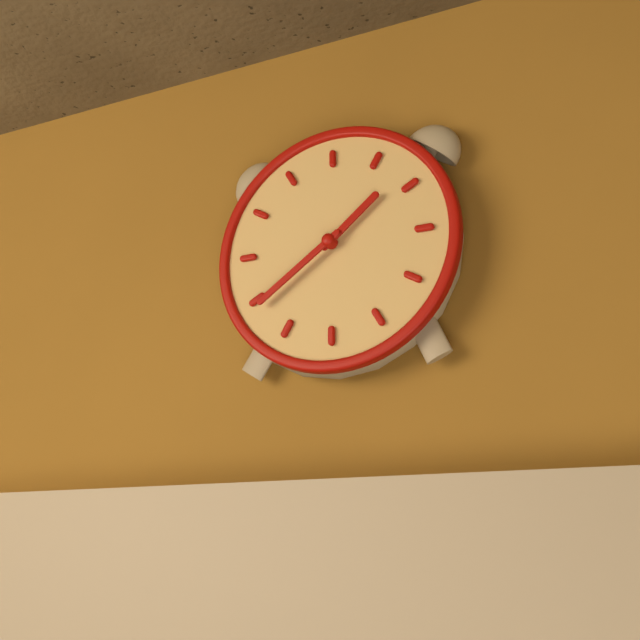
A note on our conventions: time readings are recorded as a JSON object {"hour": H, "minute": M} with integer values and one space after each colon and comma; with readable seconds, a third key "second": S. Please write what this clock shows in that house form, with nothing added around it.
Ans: {"hour": 1, "minute": 39}
